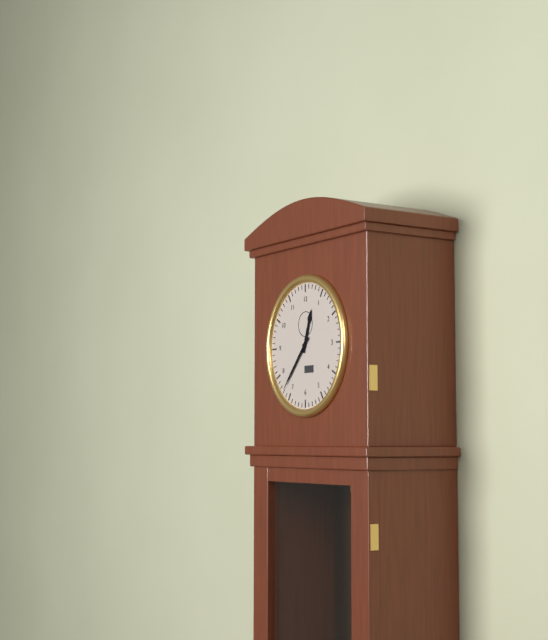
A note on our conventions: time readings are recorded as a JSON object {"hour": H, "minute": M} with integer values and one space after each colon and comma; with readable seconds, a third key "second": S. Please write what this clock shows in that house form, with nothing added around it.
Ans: {"hour": 12, "minute": 37}
